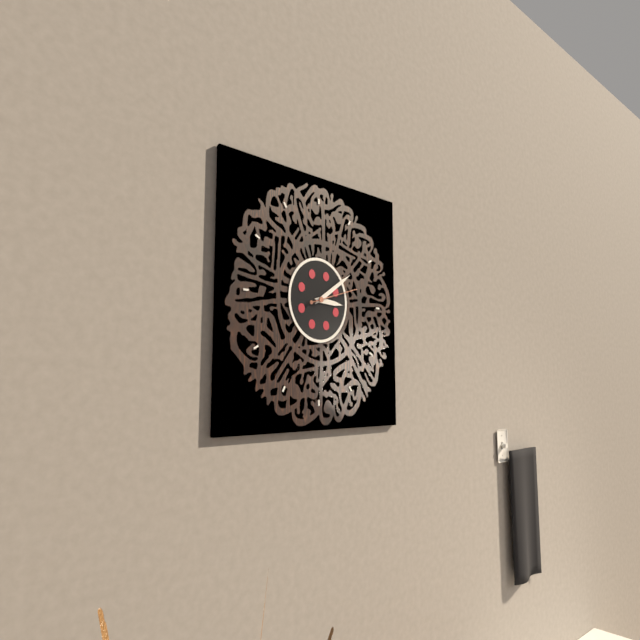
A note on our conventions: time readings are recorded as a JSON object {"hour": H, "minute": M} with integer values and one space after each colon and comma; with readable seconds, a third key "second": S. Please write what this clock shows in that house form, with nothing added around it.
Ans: {"hour": 3, "minute": 9, "second": 12}
